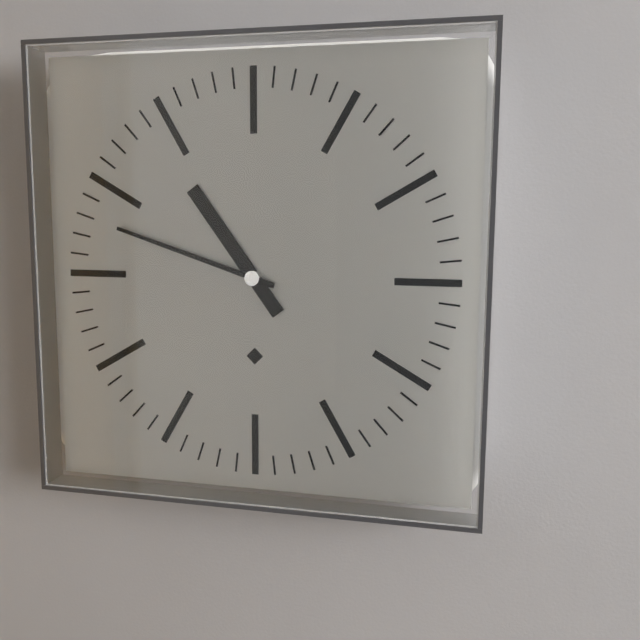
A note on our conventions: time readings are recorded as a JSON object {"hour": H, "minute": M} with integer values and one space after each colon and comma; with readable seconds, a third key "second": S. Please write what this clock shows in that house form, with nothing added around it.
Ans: {"hour": 10, "minute": 48}
